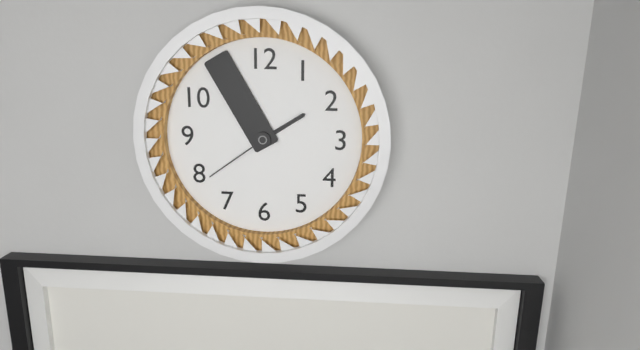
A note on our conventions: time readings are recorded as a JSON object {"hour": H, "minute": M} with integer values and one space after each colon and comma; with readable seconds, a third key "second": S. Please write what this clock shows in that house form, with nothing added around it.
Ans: {"hour": 1, "minute": 55, "second": 39}
